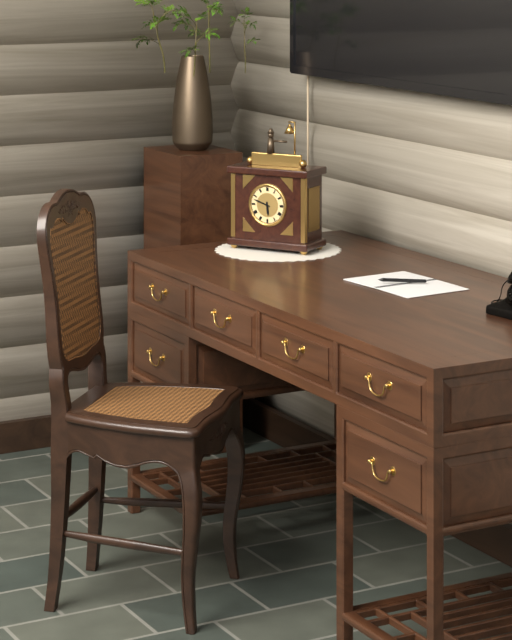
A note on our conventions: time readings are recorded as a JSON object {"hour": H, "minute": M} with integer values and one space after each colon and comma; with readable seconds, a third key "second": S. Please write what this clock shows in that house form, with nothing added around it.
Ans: {"hour": 5, "minute": 48}
